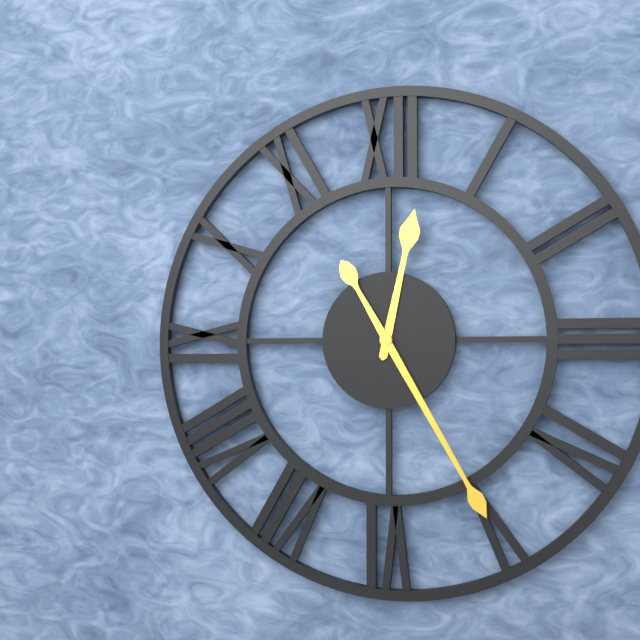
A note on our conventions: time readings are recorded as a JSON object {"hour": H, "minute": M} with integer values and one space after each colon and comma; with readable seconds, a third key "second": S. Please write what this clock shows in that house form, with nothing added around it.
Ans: {"hour": 12, "minute": 25}
